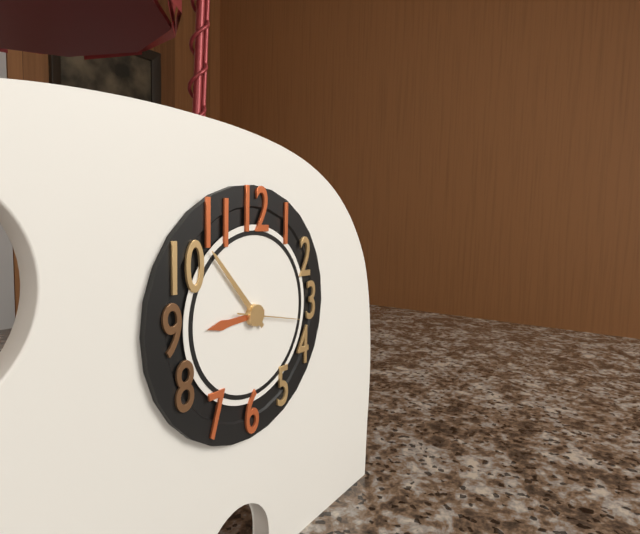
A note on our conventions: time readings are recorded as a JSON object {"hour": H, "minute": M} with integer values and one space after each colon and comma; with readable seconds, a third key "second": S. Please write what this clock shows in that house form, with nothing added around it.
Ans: {"hour": 8, "minute": 53, "second": 17}
